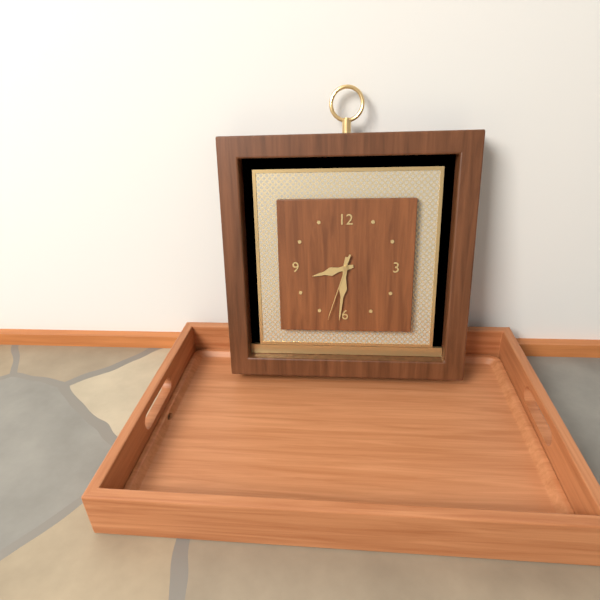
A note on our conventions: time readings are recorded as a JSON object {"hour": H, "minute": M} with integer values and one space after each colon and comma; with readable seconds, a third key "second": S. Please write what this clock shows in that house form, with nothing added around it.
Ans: {"hour": 8, "minute": 31, "second": 33}
